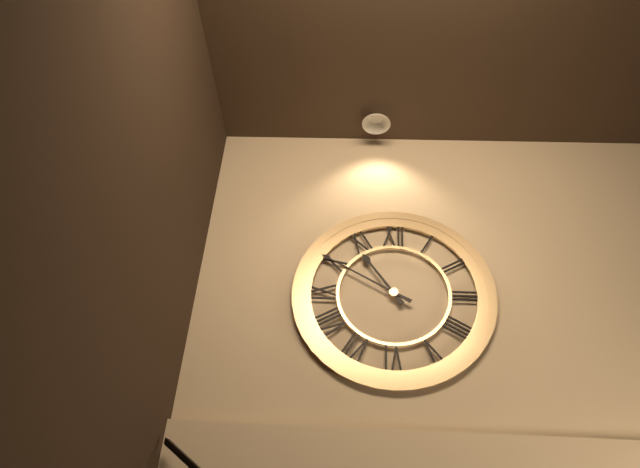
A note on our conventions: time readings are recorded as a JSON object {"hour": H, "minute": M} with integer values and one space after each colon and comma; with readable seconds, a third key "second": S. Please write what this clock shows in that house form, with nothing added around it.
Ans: {"hour": 10, "minute": 50}
